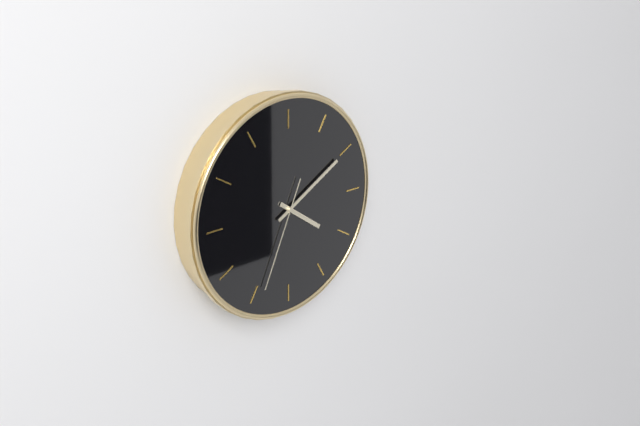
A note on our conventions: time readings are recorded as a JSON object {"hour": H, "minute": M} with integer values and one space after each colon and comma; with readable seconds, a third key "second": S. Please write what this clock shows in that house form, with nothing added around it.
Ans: {"hour": 4, "minute": 10, "second": 34}
